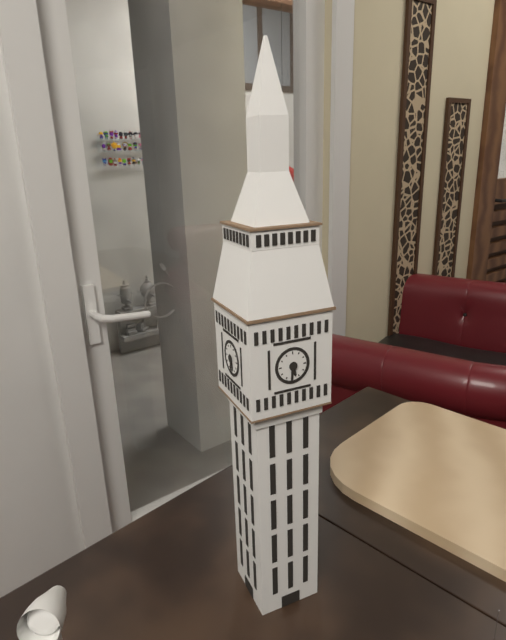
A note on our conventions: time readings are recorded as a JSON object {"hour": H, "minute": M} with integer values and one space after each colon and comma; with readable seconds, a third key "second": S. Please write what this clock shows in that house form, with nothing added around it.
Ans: {"hour": 5, "minute": 31}
